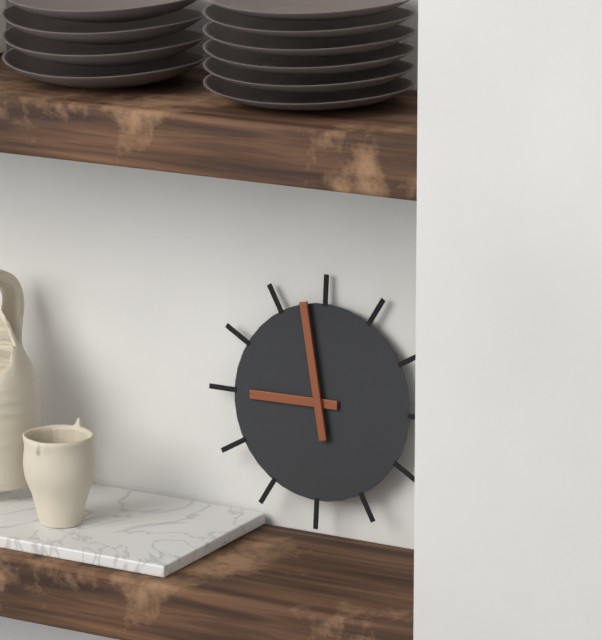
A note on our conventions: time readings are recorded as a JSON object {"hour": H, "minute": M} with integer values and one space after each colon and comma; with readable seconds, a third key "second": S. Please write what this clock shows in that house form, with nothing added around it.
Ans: {"hour": 8, "minute": 58}
